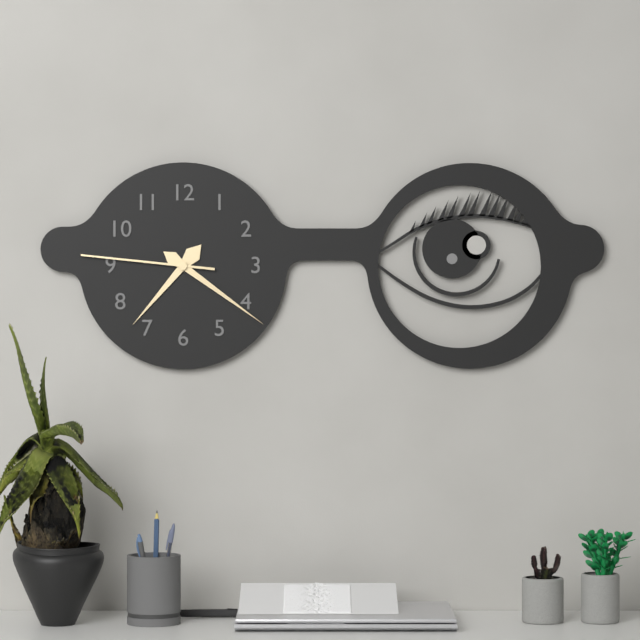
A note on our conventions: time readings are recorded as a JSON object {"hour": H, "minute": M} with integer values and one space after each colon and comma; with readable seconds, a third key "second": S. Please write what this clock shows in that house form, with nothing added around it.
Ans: {"hour": 7, "minute": 21, "second": 46}
